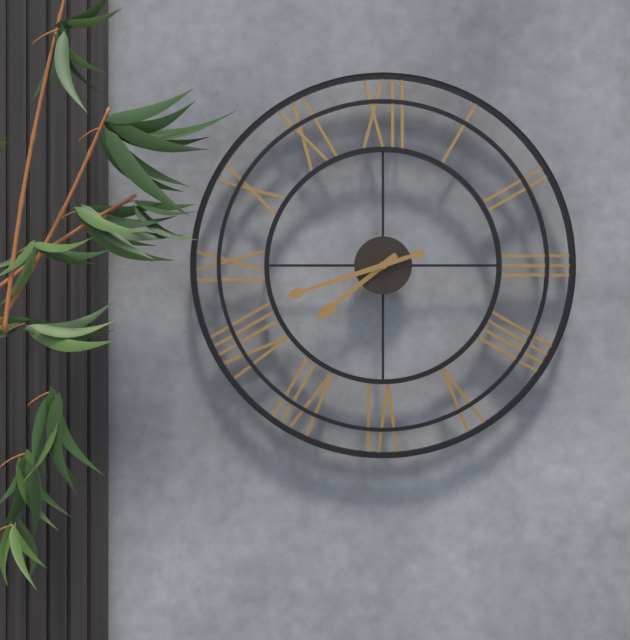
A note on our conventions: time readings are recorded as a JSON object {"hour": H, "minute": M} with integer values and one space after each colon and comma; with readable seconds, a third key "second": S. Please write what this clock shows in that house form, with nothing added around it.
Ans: {"hour": 7, "minute": 42}
